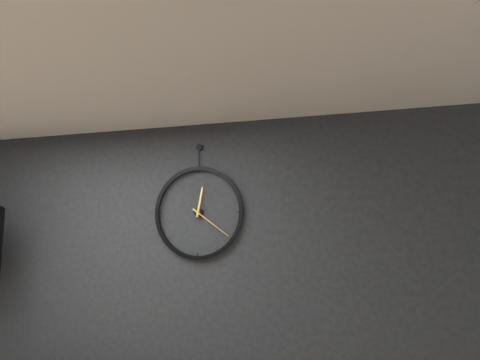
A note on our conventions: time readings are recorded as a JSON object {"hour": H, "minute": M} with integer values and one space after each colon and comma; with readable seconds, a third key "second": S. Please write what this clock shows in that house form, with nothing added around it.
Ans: {"hour": 12, "minute": 21}
